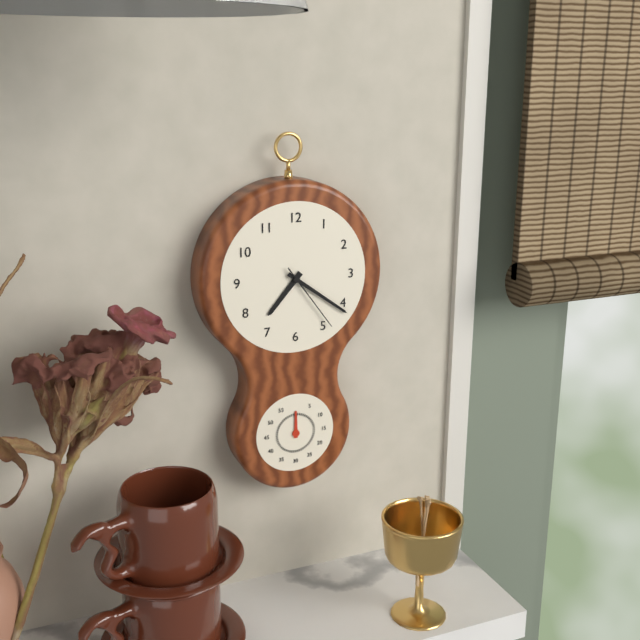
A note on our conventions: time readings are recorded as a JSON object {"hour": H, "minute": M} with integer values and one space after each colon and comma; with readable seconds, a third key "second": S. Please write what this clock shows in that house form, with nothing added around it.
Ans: {"hour": 7, "minute": 21, "second": 24}
